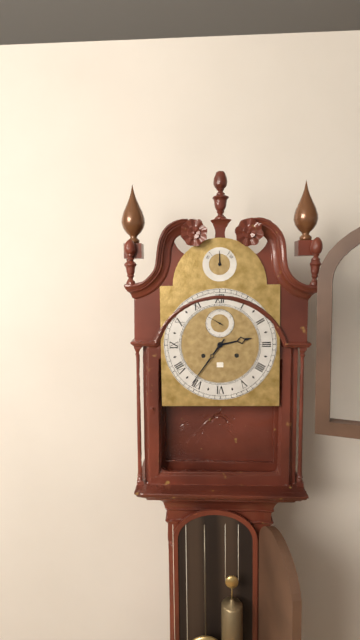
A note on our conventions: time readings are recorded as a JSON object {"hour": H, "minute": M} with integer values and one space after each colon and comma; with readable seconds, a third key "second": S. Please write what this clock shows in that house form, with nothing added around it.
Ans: {"hour": 2, "minute": 36}
